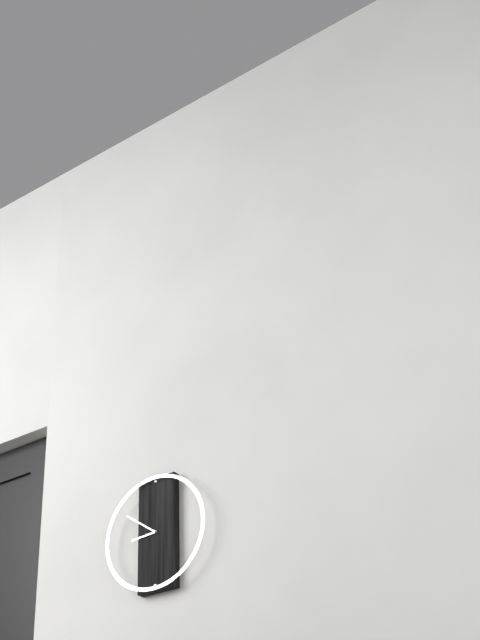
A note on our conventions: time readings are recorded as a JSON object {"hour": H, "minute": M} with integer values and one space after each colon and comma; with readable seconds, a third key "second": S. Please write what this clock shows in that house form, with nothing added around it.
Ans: {"hour": 8, "minute": 51}
